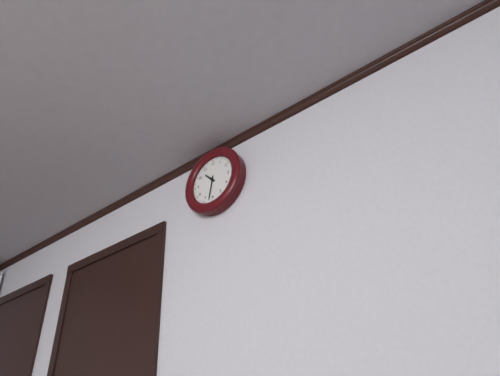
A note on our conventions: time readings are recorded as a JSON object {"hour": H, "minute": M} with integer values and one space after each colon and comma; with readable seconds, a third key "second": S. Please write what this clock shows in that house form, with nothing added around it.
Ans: {"hour": 10, "minute": 32}
